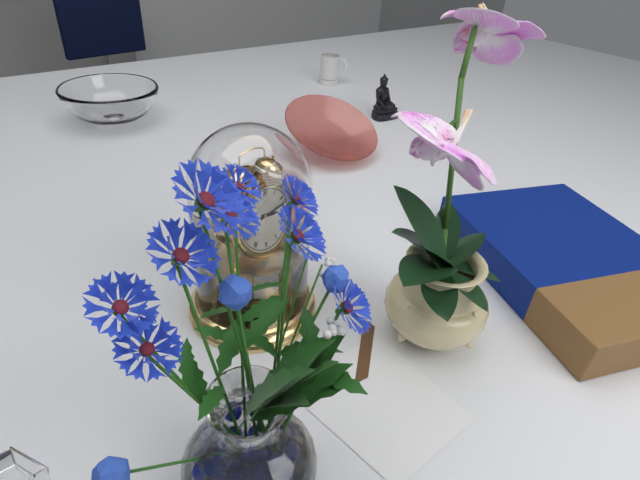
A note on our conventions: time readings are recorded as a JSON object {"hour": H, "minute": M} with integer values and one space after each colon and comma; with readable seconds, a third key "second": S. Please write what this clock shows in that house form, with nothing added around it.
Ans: {"hour": 3, "minute": 13}
